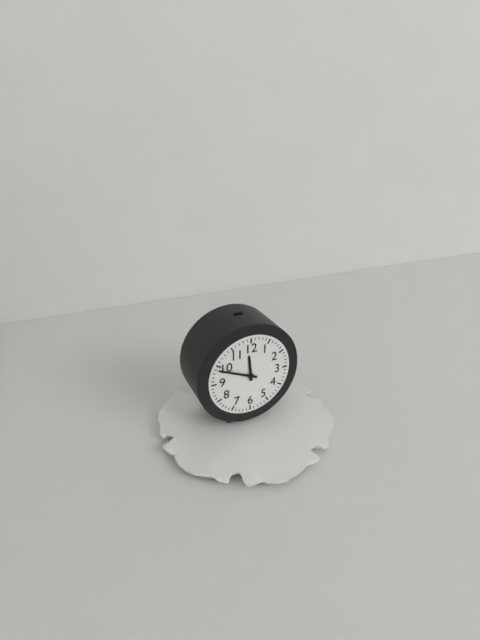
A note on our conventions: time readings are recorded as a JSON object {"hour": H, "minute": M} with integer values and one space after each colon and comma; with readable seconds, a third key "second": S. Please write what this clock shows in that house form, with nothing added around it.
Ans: {"hour": 11, "minute": 49}
